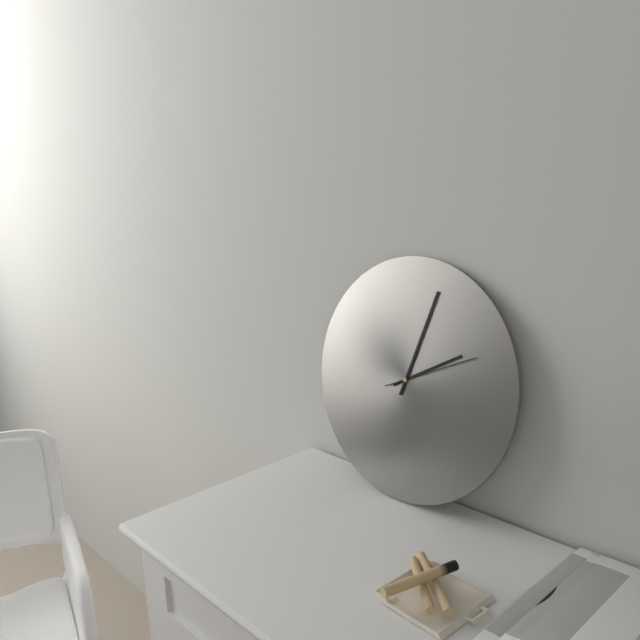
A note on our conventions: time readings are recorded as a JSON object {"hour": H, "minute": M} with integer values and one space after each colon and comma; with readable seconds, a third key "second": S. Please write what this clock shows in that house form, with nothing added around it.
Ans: {"hour": 2, "minute": 3, "second": 11}
